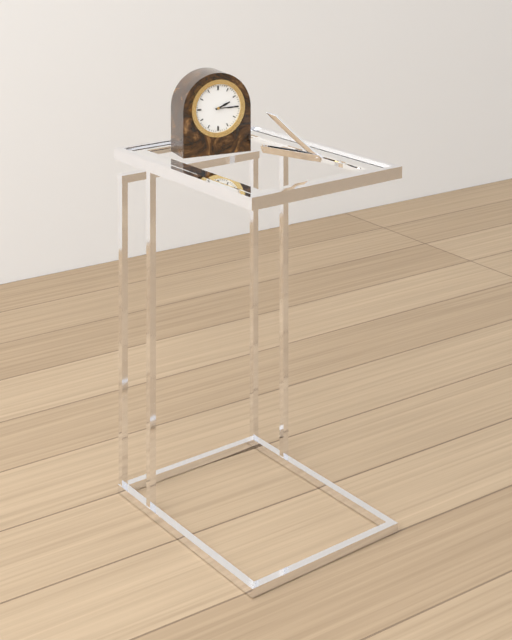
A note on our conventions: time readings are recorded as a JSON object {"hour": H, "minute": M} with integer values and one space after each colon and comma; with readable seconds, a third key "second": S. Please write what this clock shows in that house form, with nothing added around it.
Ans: {"hour": 2, "minute": 15}
